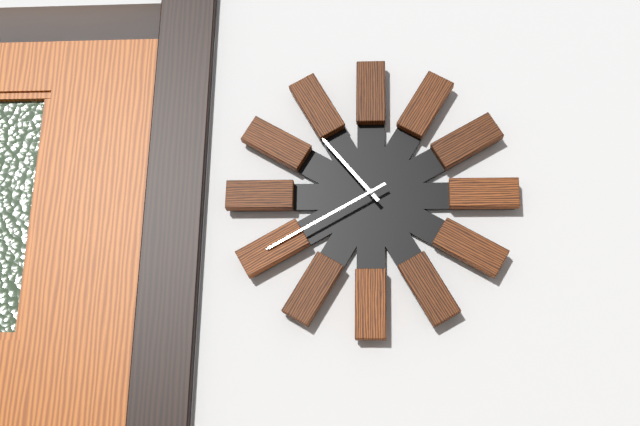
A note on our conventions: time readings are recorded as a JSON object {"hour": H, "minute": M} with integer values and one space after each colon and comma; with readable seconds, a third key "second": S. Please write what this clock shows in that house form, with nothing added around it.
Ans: {"hour": 10, "minute": 40}
